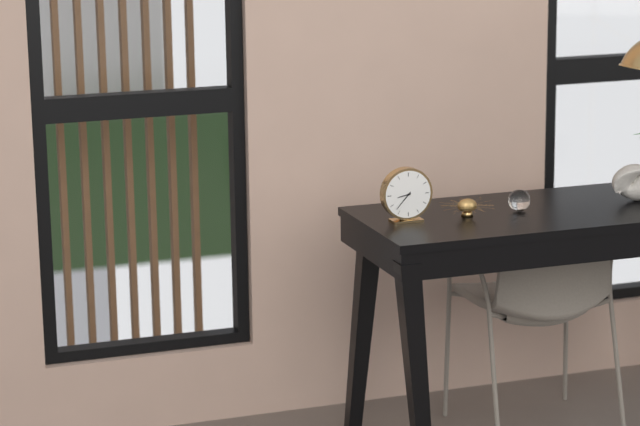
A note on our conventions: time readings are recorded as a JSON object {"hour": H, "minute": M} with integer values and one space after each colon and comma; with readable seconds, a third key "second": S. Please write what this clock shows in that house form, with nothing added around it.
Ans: {"hour": 8, "minute": 37}
